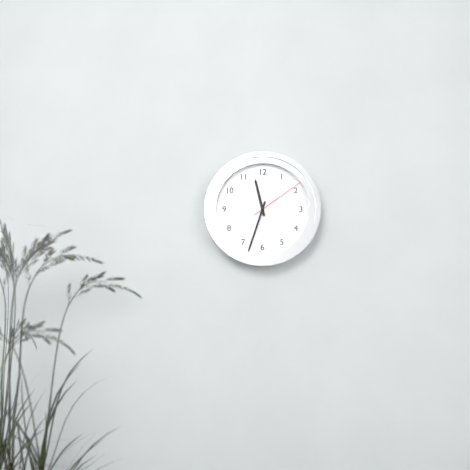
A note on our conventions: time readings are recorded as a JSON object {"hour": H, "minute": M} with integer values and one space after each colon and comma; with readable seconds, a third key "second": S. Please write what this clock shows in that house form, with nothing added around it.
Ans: {"hour": 11, "minute": 33, "second": 9}
